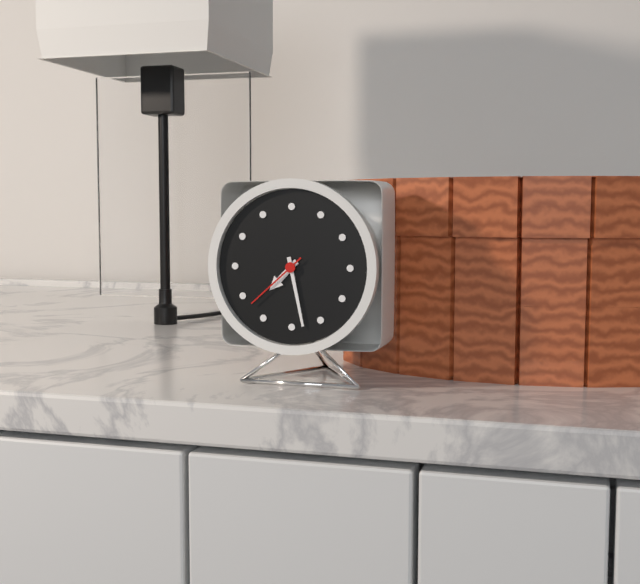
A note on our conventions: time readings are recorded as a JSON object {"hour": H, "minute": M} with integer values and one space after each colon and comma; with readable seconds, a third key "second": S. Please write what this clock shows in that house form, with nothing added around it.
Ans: {"hour": 7, "minute": 28, "second": 38}
